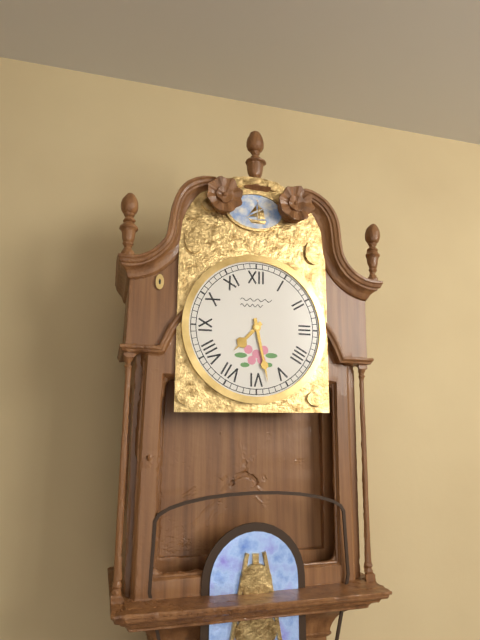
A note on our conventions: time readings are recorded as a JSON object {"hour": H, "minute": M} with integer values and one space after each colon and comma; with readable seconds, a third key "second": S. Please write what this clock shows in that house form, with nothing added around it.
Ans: {"hour": 7, "minute": 28}
